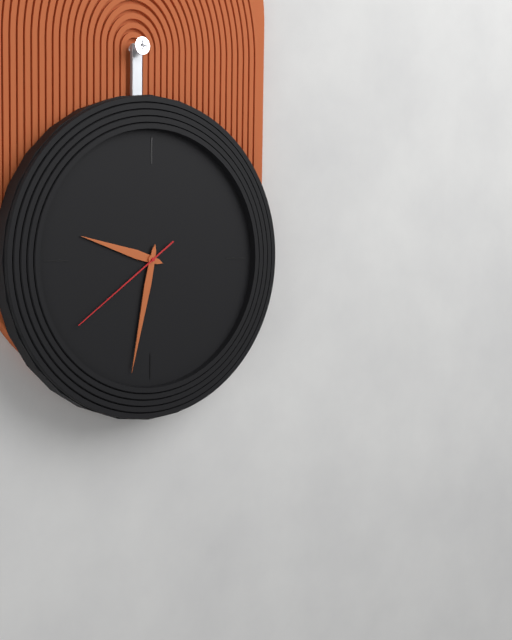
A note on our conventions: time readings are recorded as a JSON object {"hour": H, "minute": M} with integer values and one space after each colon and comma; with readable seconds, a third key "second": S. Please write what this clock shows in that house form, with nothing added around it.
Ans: {"hour": 9, "minute": 32, "second": 39}
